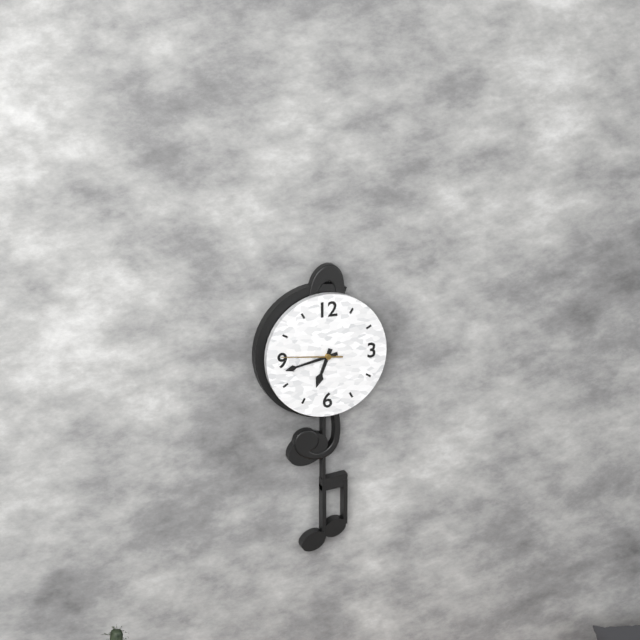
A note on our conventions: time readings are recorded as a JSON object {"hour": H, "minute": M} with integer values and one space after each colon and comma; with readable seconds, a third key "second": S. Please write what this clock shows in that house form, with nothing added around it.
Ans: {"hour": 6, "minute": 43, "second": 46}
